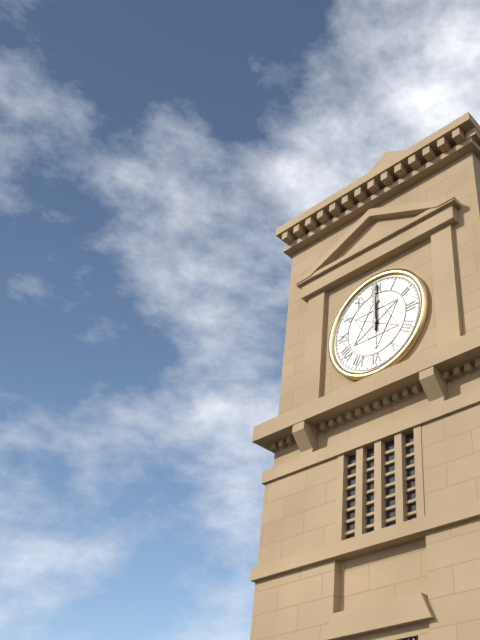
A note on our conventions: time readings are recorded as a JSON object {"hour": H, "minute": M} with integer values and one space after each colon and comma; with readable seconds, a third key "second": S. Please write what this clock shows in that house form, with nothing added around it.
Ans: {"hour": 12, "minute": 0}
